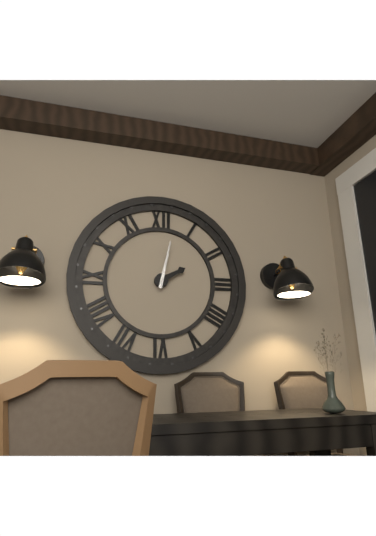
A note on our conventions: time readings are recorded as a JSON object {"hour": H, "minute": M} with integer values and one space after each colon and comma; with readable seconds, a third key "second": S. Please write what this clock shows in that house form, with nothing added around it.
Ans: {"hour": 2, "minute": 2}
